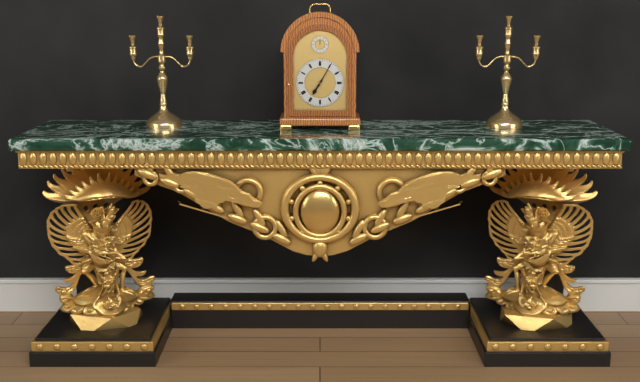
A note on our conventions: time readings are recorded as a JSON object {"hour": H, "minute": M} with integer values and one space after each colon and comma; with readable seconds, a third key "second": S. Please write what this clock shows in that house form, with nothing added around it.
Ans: {"hour": 7, "minute": 5}
